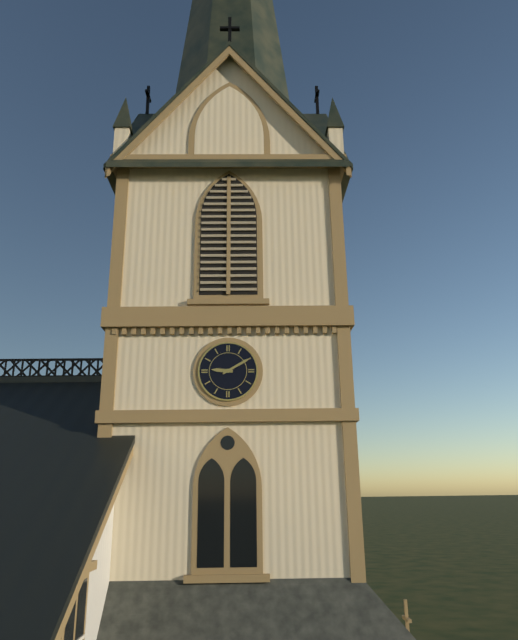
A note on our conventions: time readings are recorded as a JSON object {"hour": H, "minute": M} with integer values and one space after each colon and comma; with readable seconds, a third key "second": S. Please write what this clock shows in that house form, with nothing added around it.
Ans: {"hour": 9, "minute": 10}
